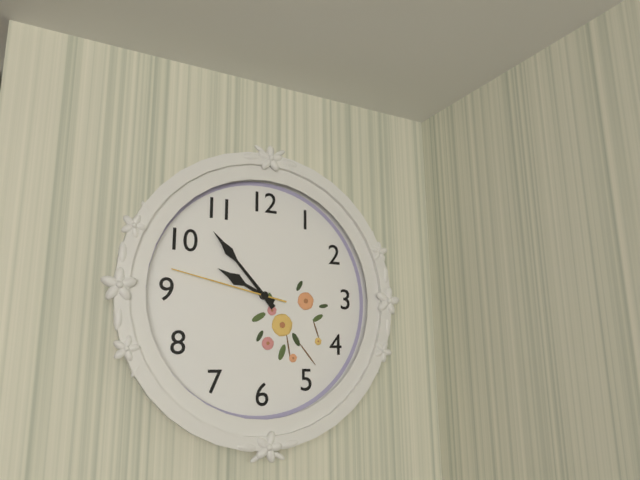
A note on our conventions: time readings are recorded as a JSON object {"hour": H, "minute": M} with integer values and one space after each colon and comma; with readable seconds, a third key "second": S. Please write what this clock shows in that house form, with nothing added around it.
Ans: {"hour": 9, "minute": 53, "second": 47}
